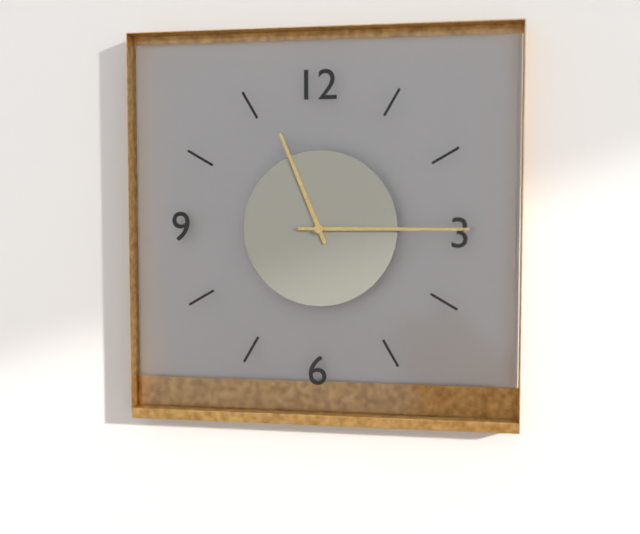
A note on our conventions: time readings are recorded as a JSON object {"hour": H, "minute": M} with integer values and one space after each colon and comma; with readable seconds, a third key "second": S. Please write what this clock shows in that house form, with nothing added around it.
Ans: {"hour": 11, "minute": 15}
